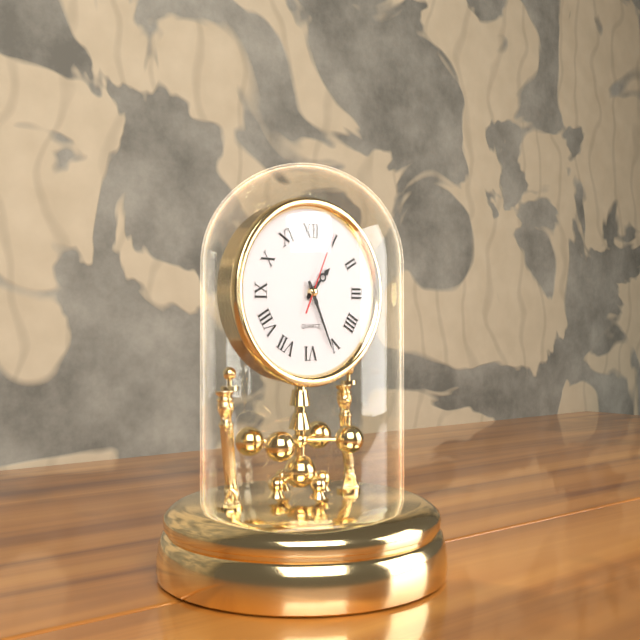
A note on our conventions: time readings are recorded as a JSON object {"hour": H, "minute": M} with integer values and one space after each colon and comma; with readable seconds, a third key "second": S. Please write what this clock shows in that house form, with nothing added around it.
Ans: {"hour": 1, "minute": 26, "second": 4}
